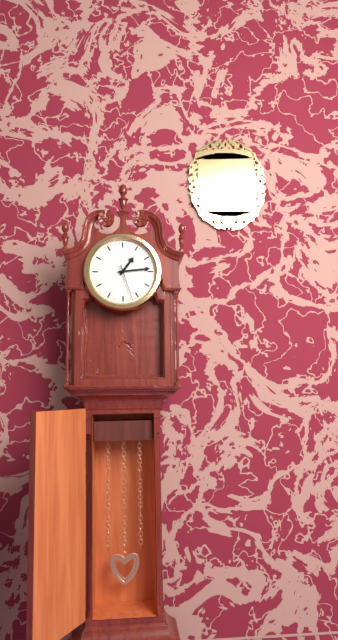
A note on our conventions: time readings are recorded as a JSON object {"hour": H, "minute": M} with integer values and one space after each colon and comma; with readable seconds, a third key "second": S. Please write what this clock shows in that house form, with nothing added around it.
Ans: {"hour": 1, "minute": 14}
